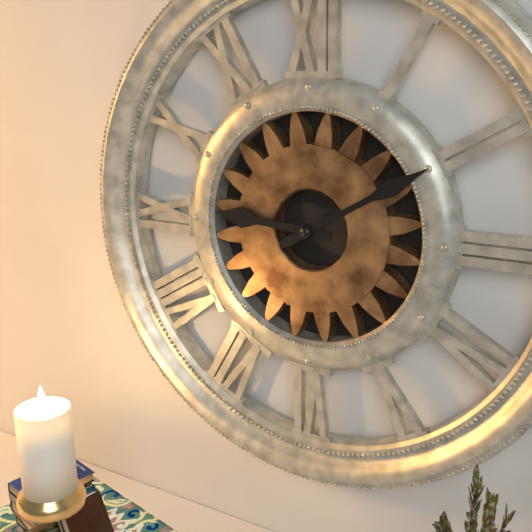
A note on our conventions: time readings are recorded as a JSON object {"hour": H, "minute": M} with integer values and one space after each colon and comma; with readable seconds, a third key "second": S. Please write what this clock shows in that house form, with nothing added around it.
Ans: {"hour": 9, "minute": 10}
